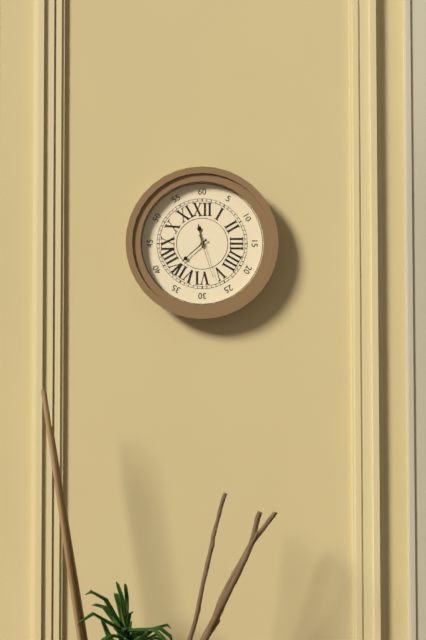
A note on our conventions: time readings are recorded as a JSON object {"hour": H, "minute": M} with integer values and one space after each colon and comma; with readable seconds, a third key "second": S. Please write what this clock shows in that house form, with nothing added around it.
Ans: {"hour": 11, "minute": 38}
